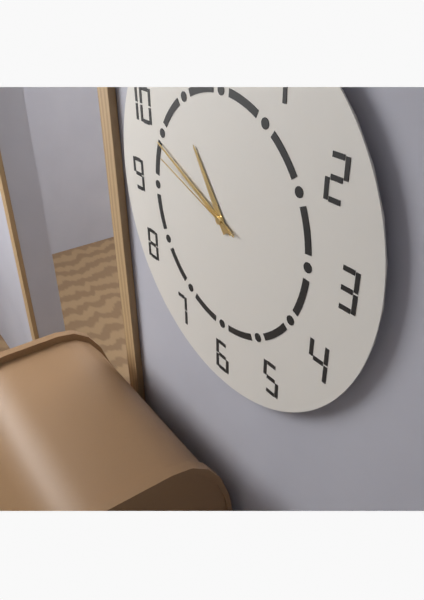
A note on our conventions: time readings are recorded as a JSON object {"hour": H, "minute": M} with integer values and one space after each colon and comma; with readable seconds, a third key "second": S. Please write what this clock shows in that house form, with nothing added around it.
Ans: {"hour": 10, "minute": 49, "second": 48}
